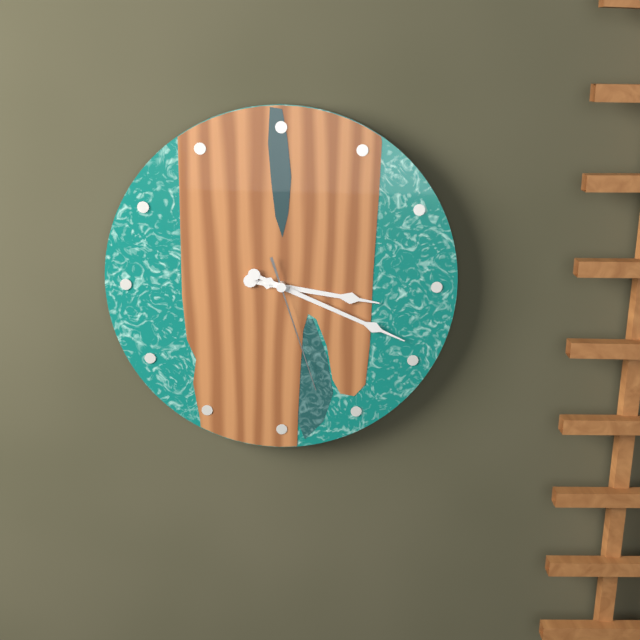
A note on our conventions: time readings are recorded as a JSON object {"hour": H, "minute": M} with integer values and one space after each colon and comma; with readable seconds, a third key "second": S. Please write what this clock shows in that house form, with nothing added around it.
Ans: {"hour": 3, "minute": 19, "second": 27}
